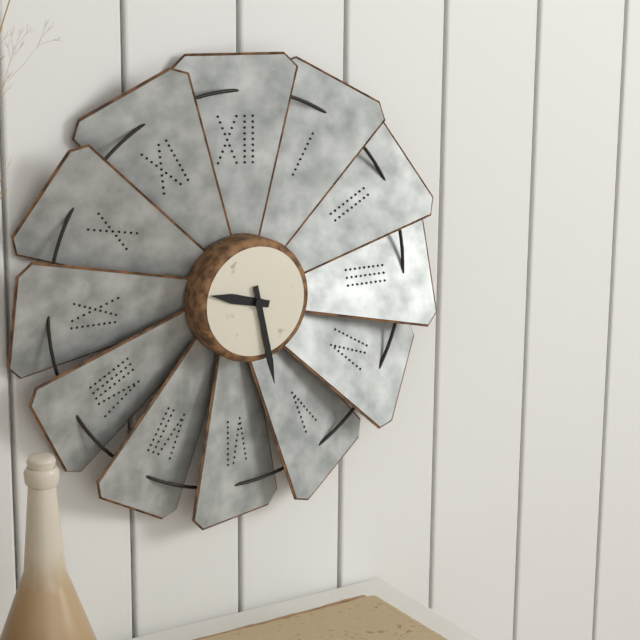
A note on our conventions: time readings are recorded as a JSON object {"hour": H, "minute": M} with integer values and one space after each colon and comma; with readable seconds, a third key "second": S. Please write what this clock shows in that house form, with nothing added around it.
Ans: {"hour": 9, "minute": 28}
